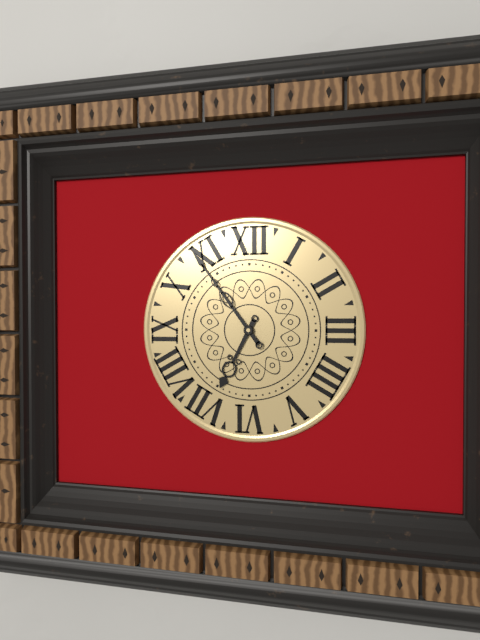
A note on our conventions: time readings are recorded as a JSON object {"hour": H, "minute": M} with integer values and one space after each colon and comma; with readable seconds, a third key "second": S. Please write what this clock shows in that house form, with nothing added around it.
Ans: {"hour": 6, "minute": 54}
